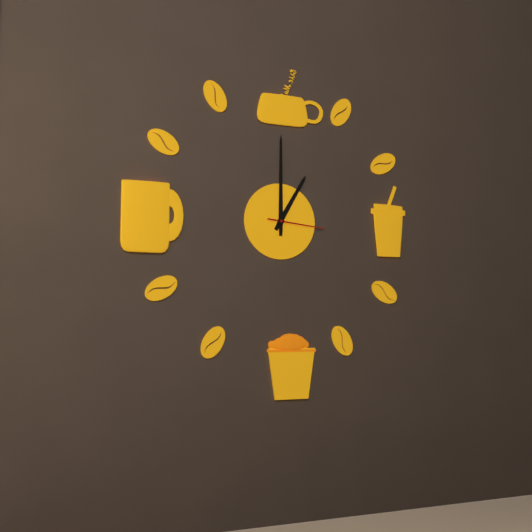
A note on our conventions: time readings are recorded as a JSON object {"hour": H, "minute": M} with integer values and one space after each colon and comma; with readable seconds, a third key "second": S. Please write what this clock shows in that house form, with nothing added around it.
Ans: {"hour": 1, "minute": 0, "second": 16}
